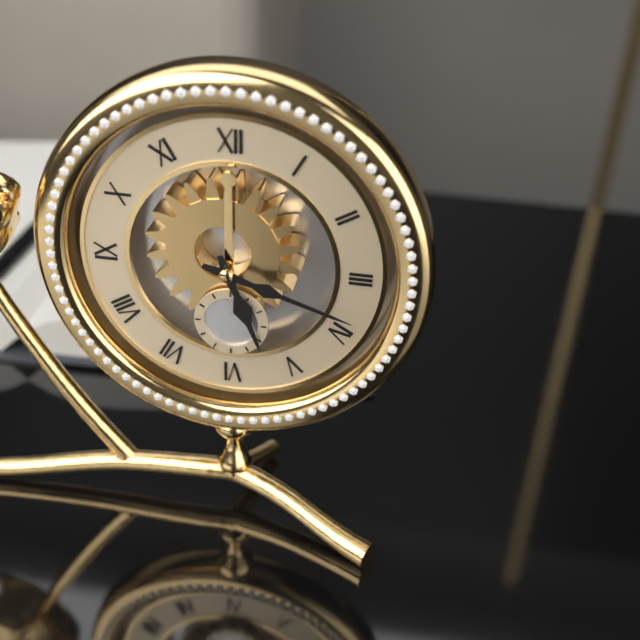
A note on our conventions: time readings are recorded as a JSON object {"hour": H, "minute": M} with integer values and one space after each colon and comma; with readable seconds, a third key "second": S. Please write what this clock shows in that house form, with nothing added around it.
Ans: {"hour": 5, "minute": 18}
